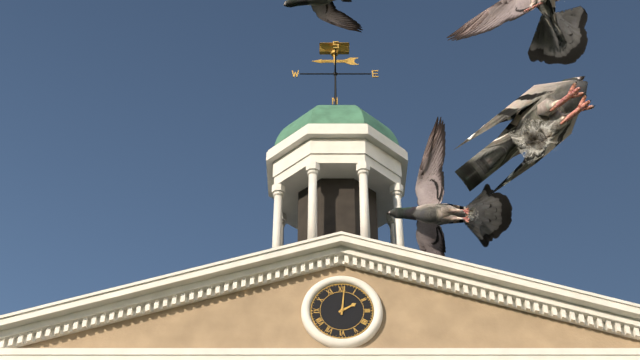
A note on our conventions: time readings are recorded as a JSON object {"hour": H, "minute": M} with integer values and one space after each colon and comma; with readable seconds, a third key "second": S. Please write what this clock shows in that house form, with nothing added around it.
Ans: {"hour": 2, "minute": 1}
